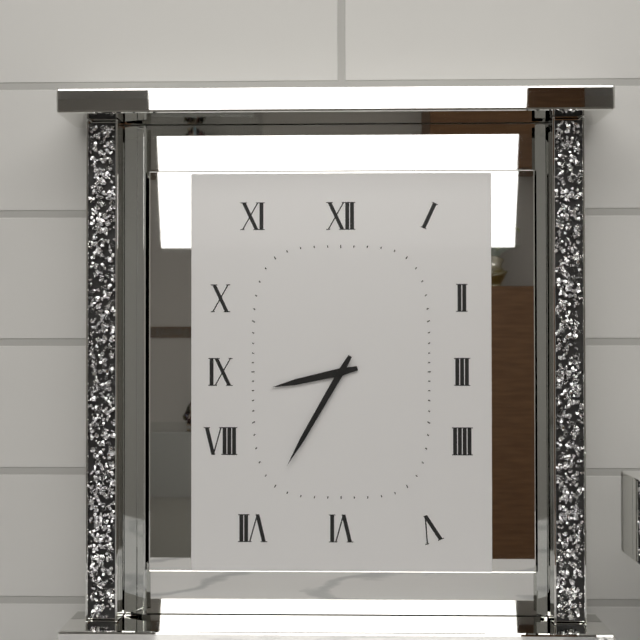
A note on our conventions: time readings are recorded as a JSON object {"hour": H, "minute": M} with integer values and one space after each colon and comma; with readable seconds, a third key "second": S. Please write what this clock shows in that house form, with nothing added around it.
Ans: {"hour": 8, "minute": 35}
